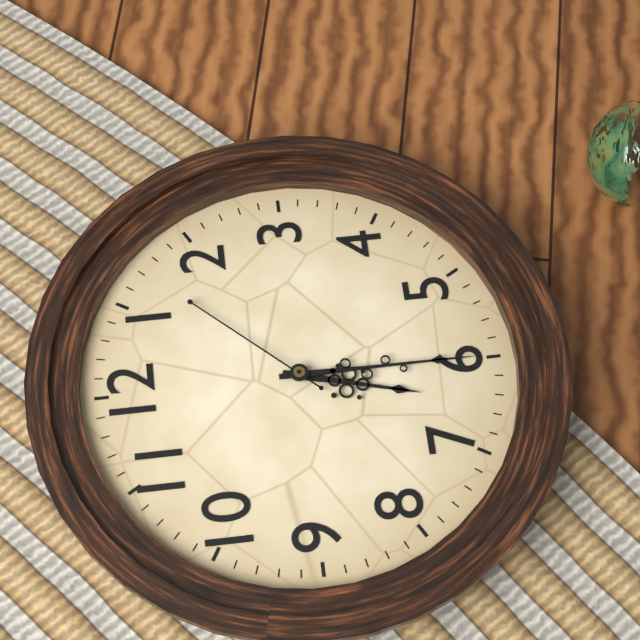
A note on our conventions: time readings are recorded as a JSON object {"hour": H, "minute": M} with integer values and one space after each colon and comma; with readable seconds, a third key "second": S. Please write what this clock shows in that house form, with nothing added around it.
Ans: {"hour": 6, "minute": 30, "second": 7}
